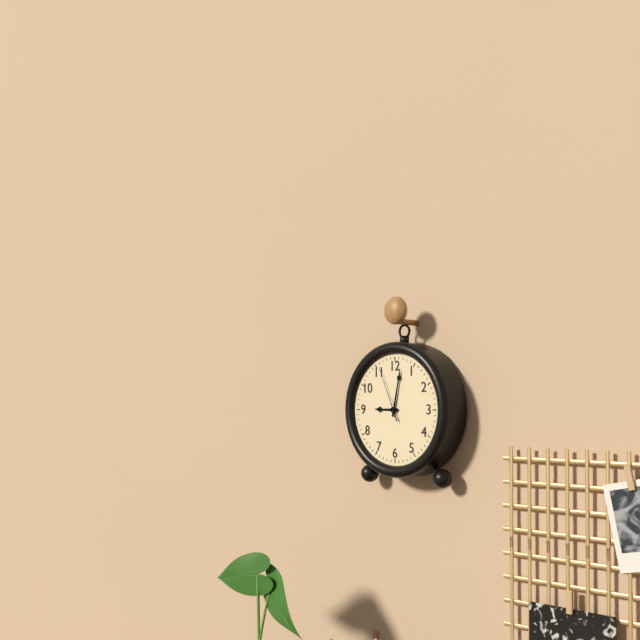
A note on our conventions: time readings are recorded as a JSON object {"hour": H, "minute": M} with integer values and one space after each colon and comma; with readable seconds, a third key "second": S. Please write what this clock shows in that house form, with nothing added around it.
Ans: {"hour": 9, "minute": 2, "second": 56}
